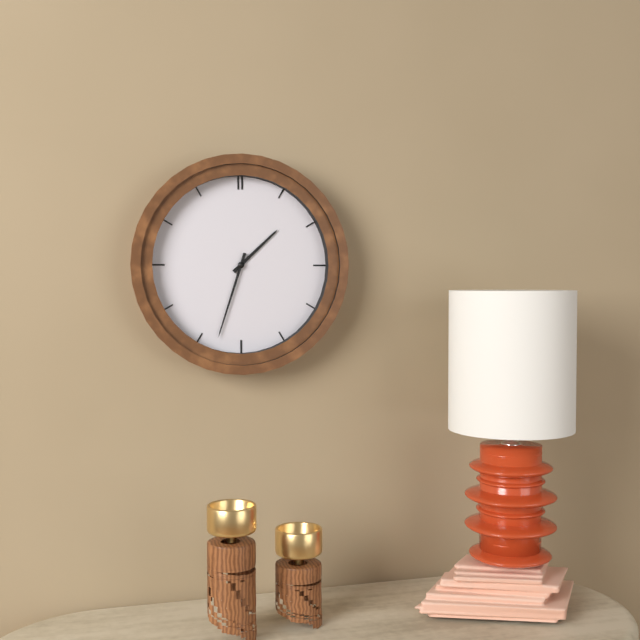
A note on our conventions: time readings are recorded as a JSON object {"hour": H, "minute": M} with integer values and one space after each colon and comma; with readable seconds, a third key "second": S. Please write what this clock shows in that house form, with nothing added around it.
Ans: {"hour": 1, "minute": 33}
